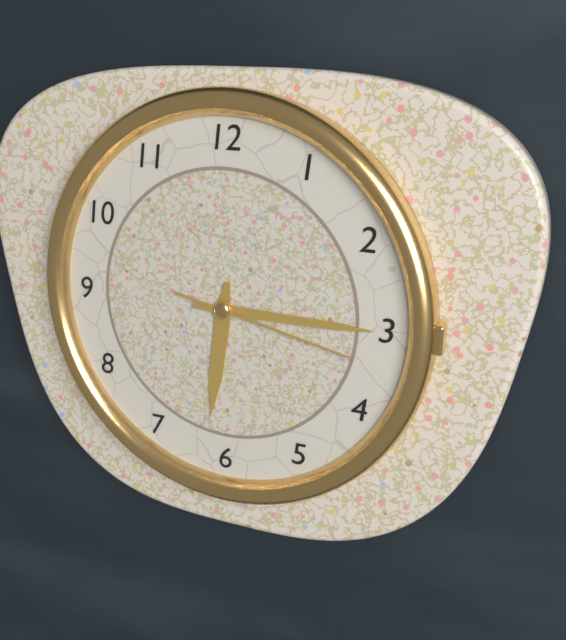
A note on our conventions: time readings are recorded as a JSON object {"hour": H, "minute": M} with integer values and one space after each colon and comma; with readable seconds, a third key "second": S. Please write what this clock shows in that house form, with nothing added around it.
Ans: {"hour": 6, "minute": 15, "second": 17}
